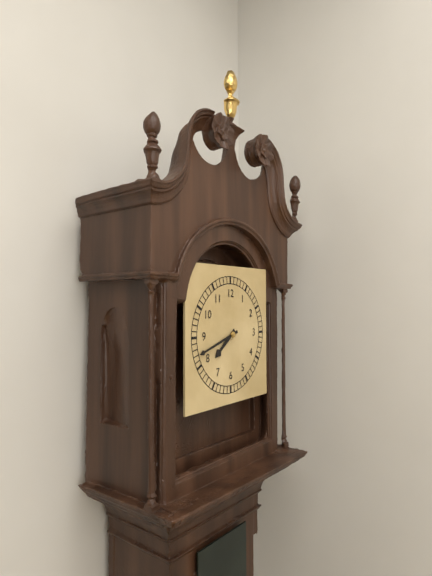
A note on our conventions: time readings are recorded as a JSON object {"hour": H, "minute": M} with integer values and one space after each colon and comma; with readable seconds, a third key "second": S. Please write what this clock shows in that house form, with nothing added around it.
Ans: {"hour": 7, "minute": 42}
